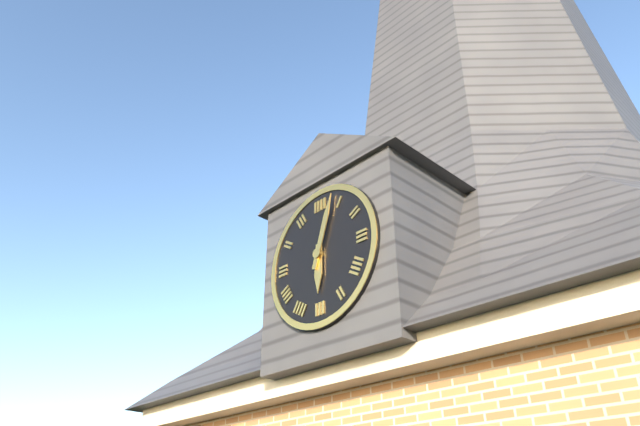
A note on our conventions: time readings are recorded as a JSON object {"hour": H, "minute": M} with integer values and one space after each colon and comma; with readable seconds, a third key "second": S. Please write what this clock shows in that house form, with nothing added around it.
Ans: {"hour": 6, "minute": 3}
